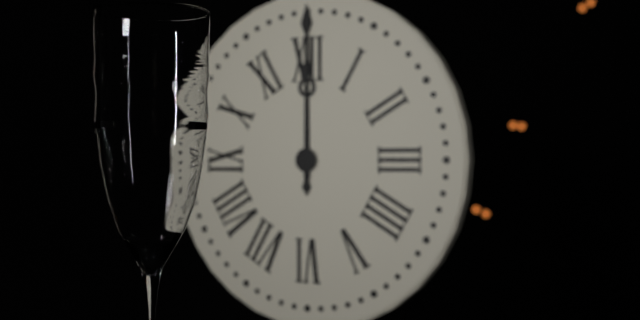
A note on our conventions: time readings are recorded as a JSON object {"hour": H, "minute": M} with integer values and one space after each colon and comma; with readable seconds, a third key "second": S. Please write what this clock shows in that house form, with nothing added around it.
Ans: {"hour": 12, "minute": 0}
